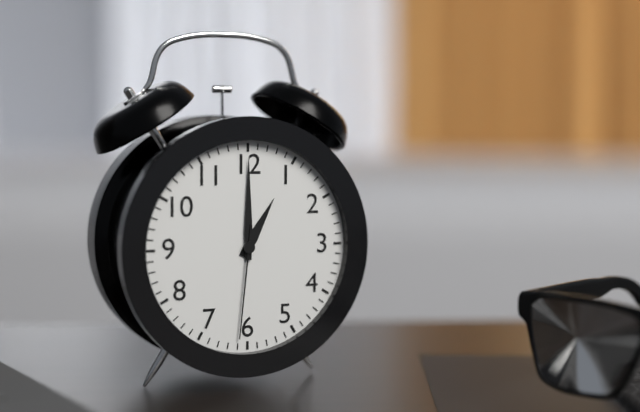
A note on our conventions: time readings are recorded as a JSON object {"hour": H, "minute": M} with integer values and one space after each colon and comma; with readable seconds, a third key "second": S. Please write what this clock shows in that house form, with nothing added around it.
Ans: {"hour": 1, "minute": 0, "second": 31}
